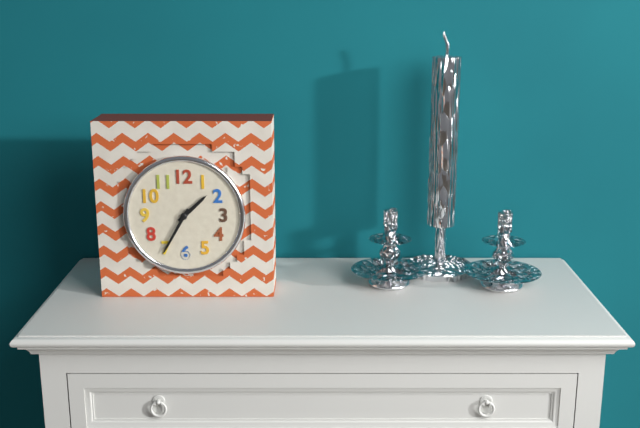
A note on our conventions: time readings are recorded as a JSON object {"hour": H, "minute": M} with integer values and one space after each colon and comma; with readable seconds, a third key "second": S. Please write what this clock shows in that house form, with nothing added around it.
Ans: {"hour": 1, "minute": 35}
